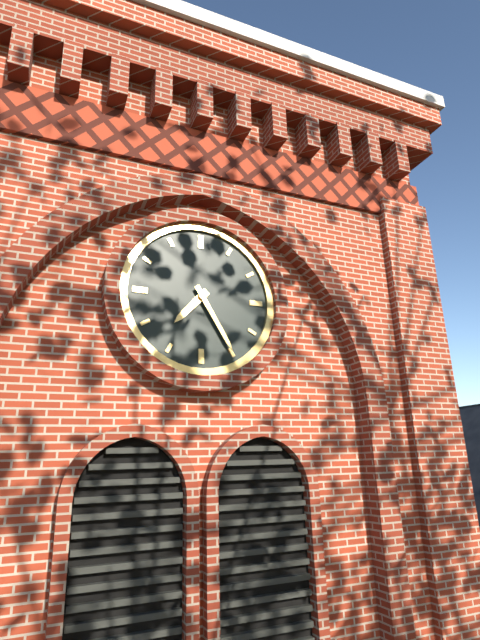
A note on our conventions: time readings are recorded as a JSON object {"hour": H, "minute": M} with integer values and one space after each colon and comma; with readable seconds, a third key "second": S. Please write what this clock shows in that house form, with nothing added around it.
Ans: {"hour": 7, "minute": 25}
